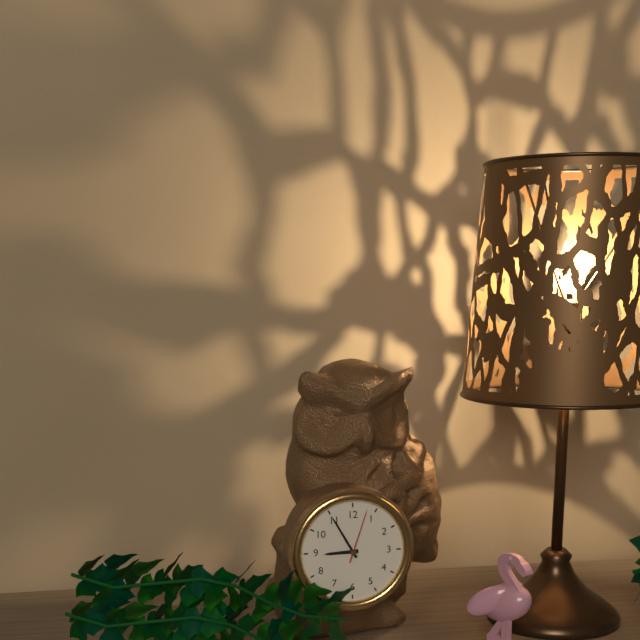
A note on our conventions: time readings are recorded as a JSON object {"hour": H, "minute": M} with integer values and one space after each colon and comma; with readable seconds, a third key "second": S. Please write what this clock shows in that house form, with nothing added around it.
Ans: {"hour": 8, "minute": 55, "second": 3}
